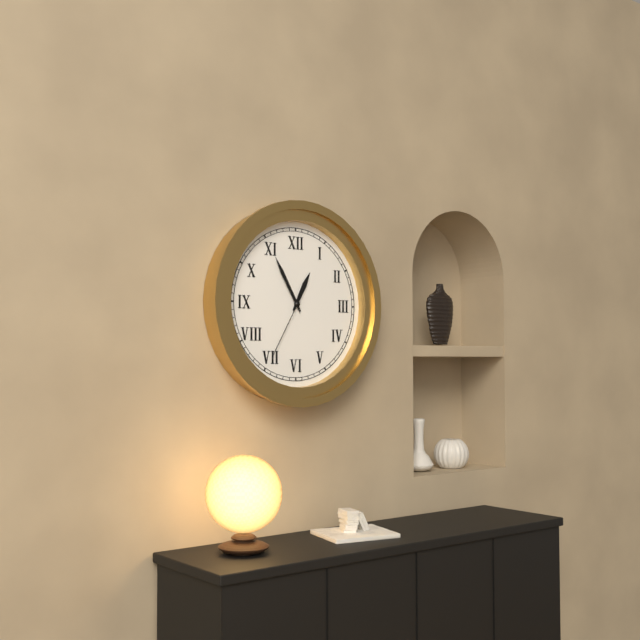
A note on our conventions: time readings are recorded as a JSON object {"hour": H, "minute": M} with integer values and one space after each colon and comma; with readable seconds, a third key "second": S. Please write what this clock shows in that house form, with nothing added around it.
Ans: {"hour": 12, "minute": 55, "second": 35}
